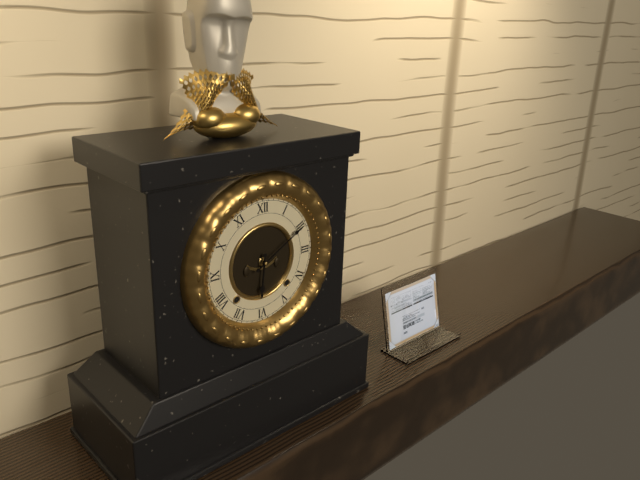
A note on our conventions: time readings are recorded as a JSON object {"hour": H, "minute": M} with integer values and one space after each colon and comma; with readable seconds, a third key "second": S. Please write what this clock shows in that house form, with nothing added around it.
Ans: {"hour": 6, "minute": 10}
